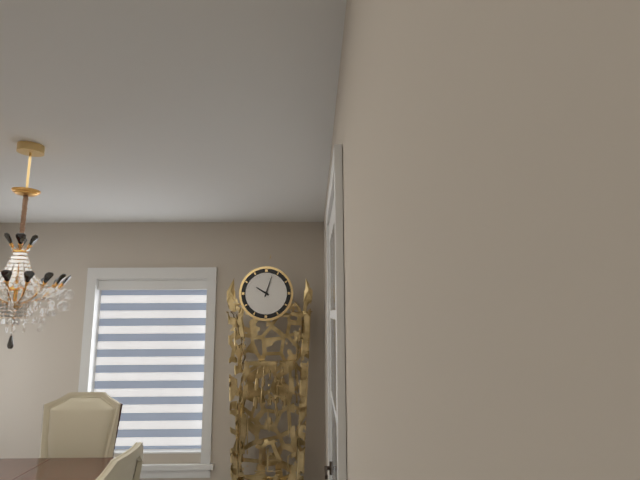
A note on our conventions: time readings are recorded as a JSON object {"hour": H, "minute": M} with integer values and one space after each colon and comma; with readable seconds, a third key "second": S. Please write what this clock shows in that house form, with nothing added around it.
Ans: {"hour": 10, "minute": 3}
